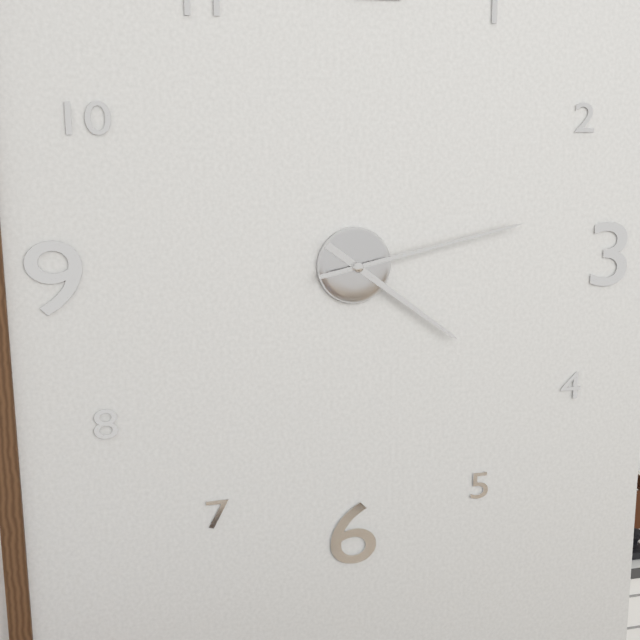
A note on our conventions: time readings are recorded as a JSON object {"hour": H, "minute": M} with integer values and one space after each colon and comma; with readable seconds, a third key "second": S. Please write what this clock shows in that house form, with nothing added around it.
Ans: {"hour": 4, "minute": 13}
